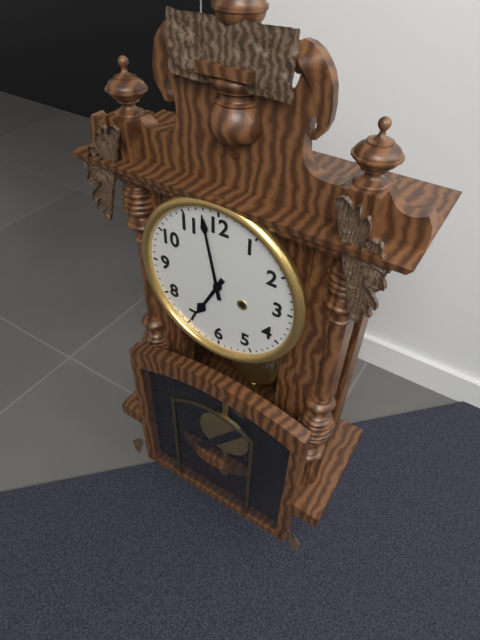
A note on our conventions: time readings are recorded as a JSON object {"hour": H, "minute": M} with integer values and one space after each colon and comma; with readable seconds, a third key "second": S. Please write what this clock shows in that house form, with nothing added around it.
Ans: {"hour": 6, "minute": 58}
